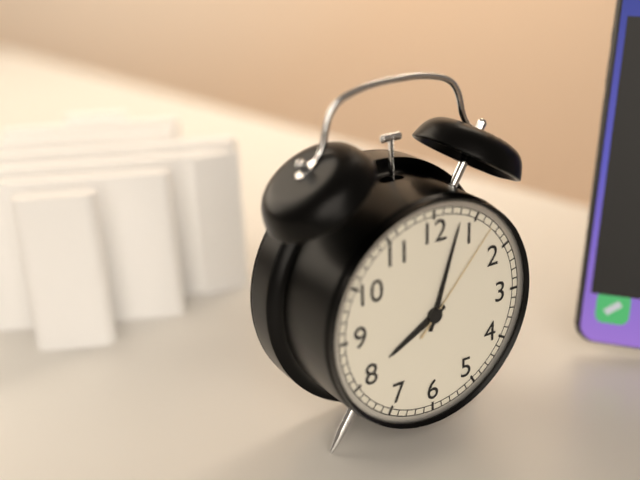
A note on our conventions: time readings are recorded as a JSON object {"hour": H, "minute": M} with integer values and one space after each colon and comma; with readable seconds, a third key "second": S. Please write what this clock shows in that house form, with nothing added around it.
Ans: {"hour": 8, "minute": 3, "second": 7}
